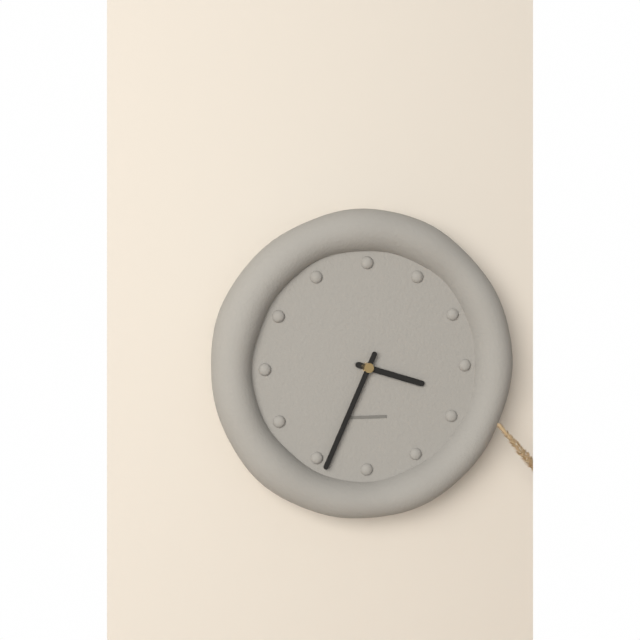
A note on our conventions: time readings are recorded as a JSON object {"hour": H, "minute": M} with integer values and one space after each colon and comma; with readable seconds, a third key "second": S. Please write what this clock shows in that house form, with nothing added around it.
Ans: {"hour": 3, "minute": 34}
